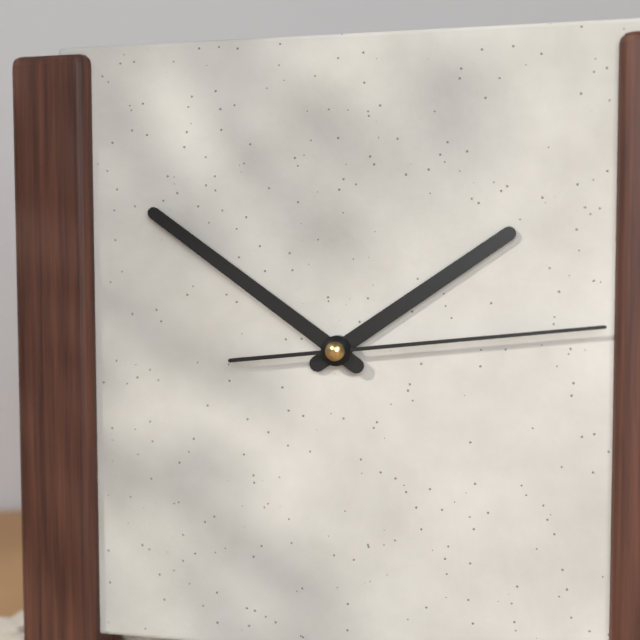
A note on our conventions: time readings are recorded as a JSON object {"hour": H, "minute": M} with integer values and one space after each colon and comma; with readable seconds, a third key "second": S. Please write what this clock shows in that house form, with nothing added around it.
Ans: {"hour": 1, "minute": 51, "second": 14}
